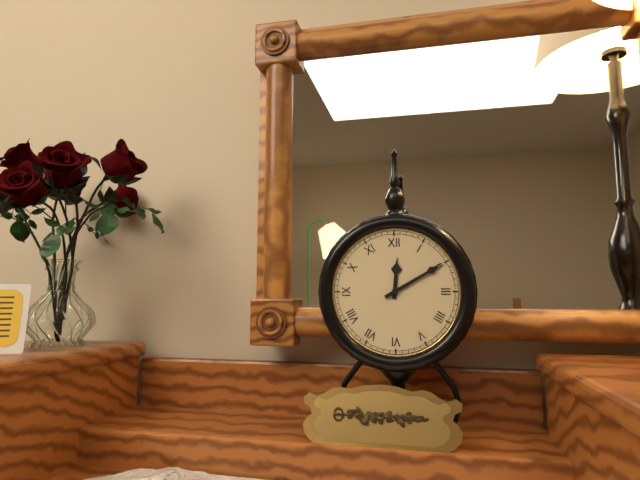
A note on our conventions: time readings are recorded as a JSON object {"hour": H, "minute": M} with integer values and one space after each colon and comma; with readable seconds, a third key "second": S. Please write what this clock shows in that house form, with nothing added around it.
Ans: {"hour": 12, "minute": 10}
